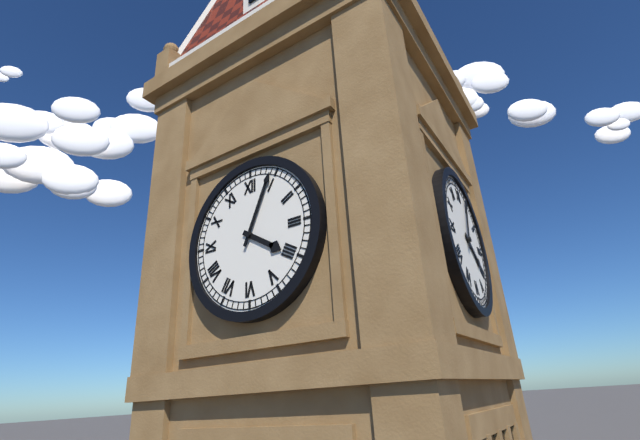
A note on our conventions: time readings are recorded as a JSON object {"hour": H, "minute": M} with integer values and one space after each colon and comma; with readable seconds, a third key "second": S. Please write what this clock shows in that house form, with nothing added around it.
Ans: {"hour": 4, "minute": 4}
